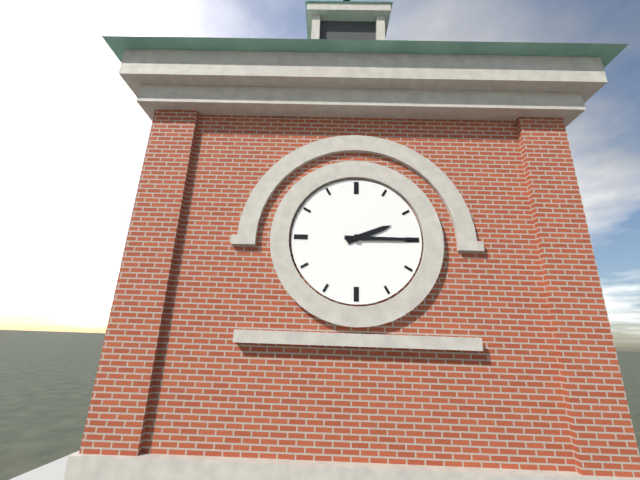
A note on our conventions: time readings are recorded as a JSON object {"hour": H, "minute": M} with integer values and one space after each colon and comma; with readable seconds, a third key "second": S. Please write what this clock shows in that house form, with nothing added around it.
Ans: {"hour": 2, "minute": 15}
